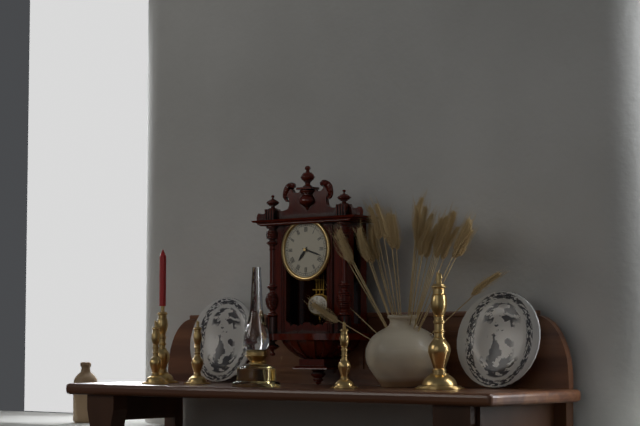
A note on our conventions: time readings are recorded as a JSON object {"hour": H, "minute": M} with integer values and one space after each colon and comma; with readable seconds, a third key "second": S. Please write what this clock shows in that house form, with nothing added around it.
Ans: {"hour": 7, "minute": 18}
